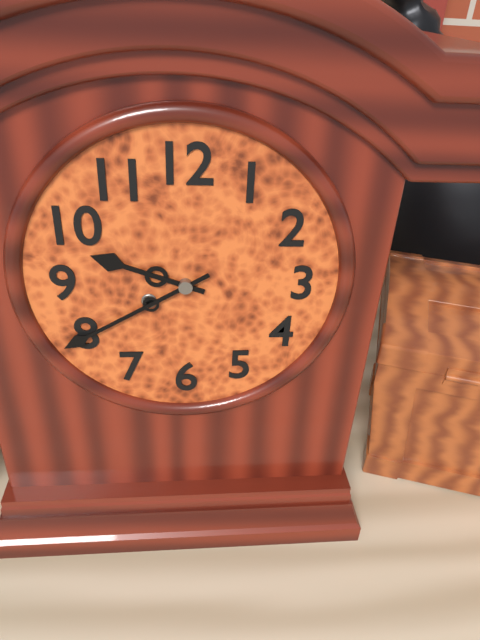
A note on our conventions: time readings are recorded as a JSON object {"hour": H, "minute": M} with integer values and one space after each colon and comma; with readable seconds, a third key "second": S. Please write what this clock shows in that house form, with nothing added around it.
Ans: {"hour": 9, "minute": 40}
